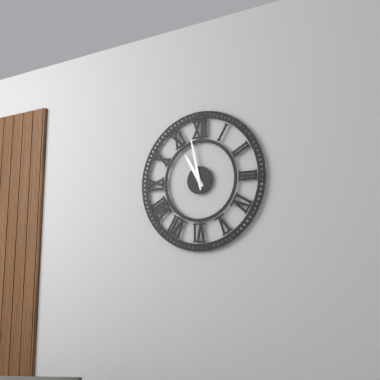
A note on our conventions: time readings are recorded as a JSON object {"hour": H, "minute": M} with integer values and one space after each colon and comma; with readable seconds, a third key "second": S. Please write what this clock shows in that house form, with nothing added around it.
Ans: {"hour": 10, "minute": 58}
